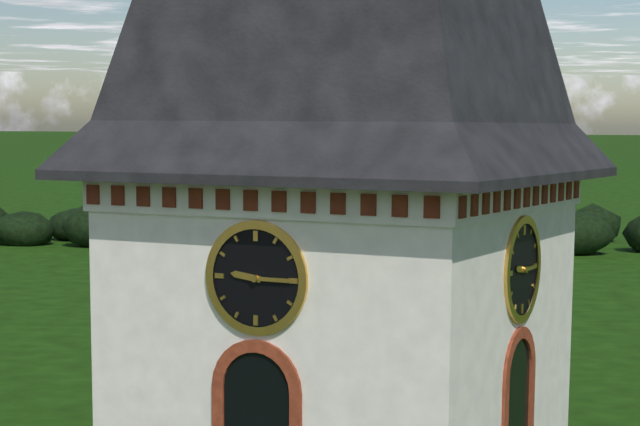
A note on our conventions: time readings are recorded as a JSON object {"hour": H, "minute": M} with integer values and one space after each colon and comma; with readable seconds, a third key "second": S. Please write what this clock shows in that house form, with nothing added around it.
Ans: {"hour": 9, "minute": 15}
